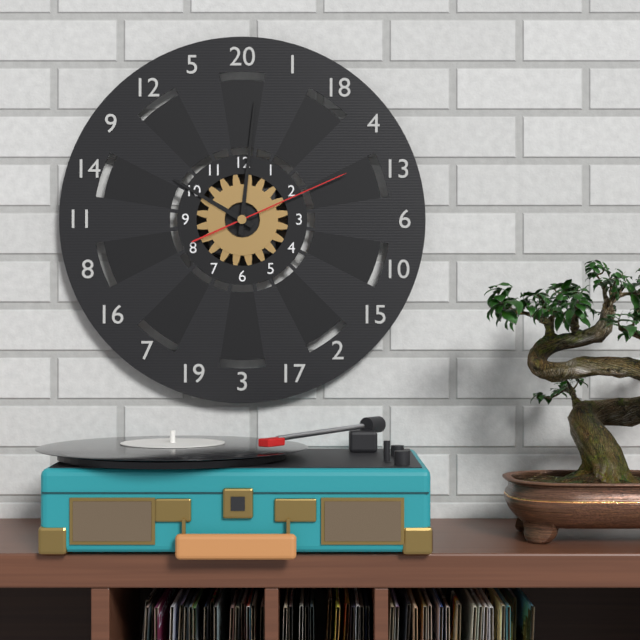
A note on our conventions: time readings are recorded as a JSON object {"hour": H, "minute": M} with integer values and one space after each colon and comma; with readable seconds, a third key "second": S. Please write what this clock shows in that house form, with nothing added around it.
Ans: {"hour": 10, "minute": 1, "second": 11}
